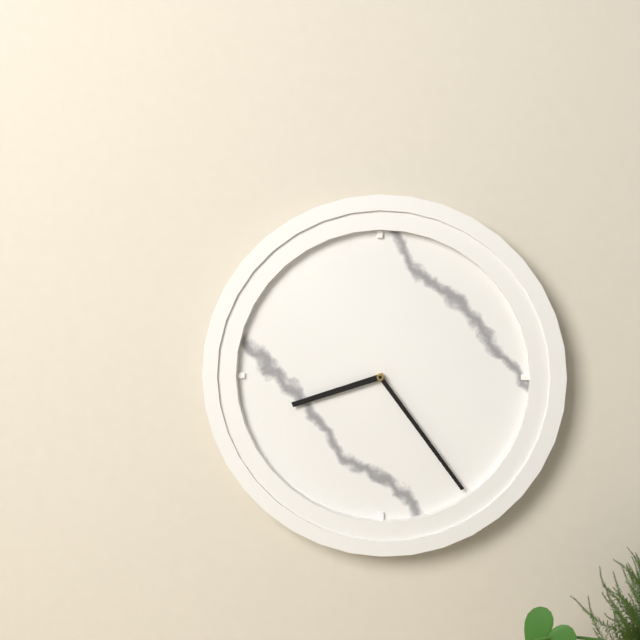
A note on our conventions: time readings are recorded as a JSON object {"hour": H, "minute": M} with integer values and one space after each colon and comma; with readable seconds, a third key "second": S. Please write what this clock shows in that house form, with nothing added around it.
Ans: {"hour": 8, "minute": 24}
